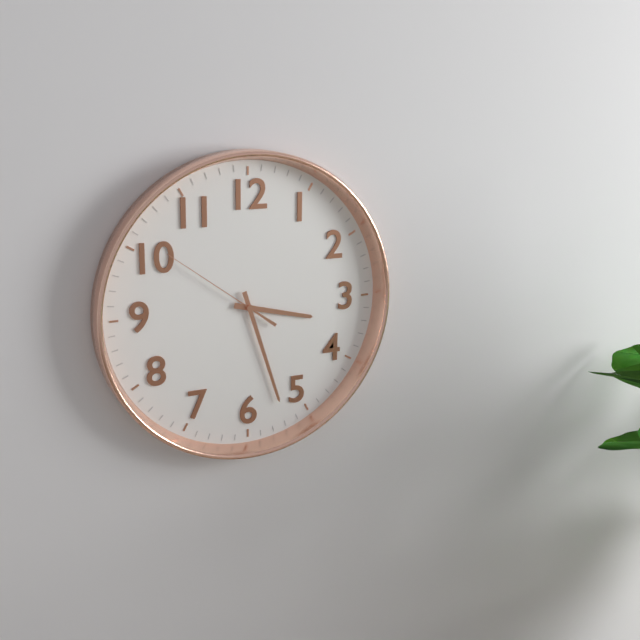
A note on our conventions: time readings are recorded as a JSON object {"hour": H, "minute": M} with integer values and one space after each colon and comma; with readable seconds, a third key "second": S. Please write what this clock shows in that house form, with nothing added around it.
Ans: {"hour": 3, "minute": 27, "second": 51}
